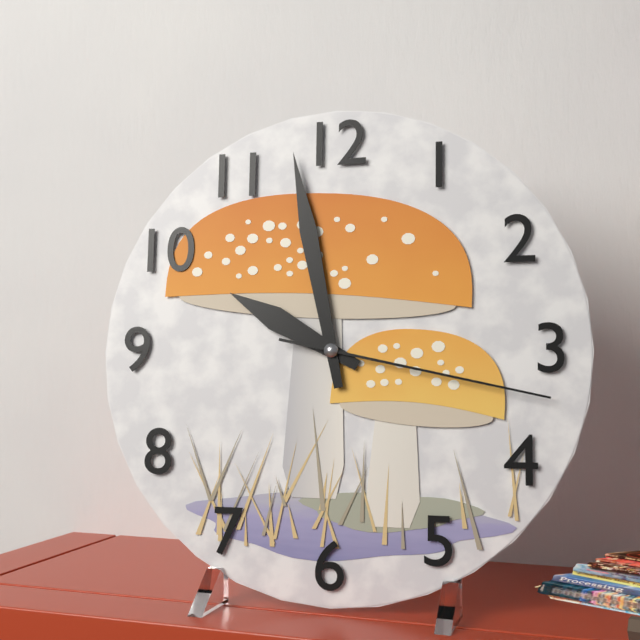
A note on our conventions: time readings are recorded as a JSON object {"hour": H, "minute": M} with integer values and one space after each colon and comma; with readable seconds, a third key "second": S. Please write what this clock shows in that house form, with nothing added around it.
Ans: {"hour": 9, "minute": 58, "second": 17}
